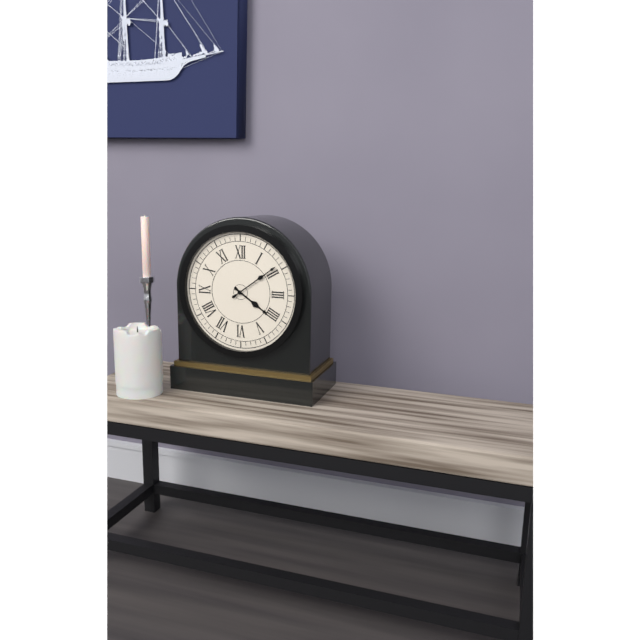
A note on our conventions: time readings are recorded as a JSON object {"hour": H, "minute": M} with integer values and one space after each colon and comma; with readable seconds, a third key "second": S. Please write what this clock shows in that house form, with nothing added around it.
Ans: {"hour": 4, "minute": 9}
